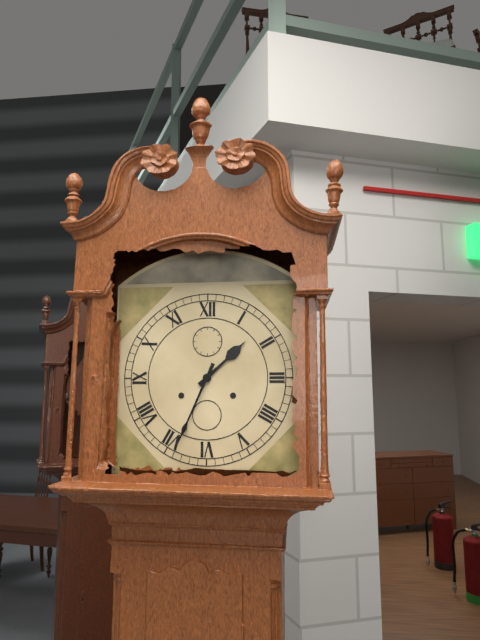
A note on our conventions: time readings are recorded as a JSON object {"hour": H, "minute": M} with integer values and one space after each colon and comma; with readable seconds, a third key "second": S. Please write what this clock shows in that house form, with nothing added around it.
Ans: {"hour": 1, "minute": 34}
